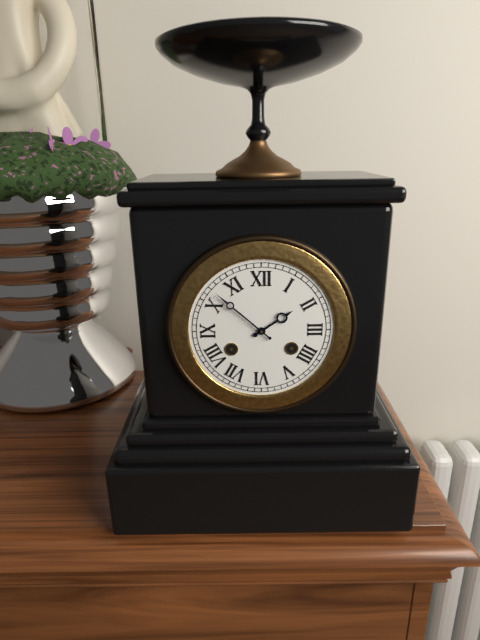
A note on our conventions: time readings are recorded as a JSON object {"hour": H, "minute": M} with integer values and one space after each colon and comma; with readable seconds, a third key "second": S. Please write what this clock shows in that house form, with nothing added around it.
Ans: {"hour": 1, "minute": 52}
